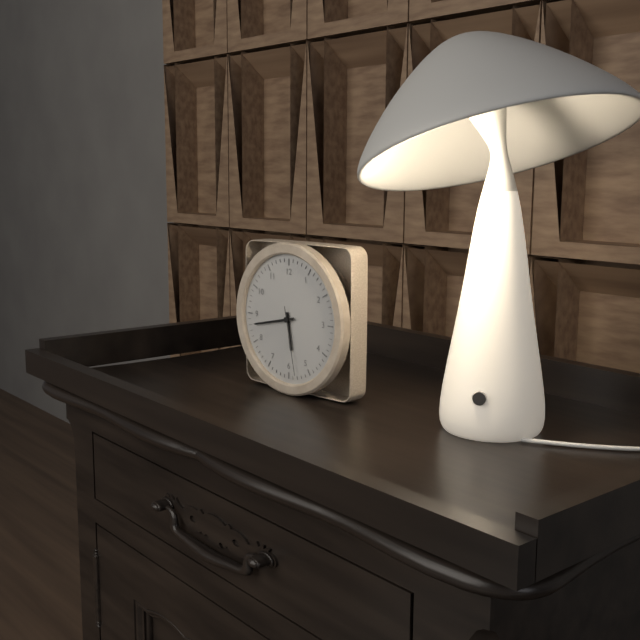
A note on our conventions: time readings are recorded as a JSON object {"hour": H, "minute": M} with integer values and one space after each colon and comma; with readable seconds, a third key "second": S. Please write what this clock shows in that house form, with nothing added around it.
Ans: {"hour": 5, "minute": 43, "second": 28}
